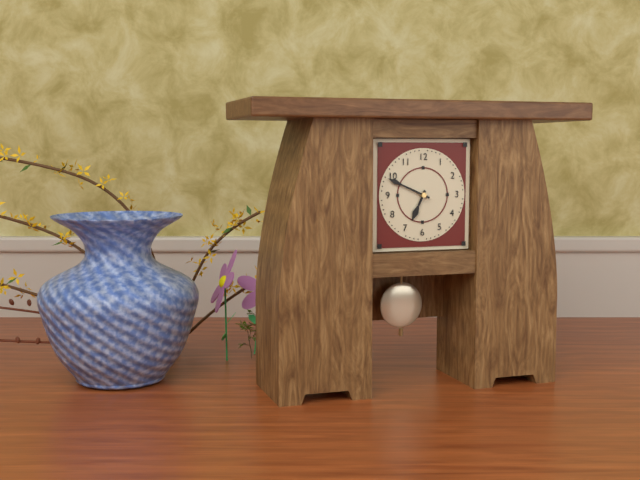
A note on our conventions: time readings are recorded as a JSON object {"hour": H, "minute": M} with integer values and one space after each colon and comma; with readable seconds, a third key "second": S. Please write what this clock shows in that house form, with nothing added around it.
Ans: {"hour": 6, "minute": 49}
